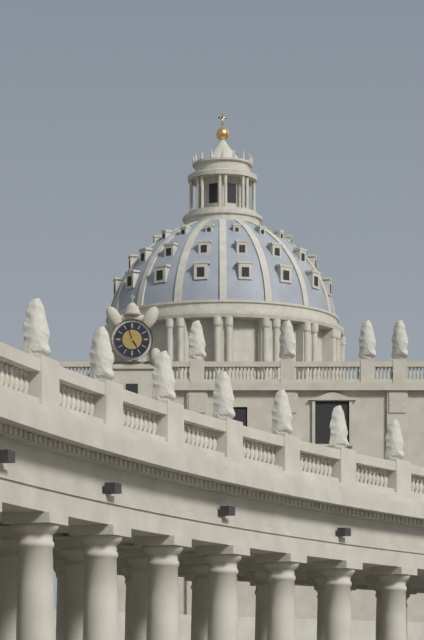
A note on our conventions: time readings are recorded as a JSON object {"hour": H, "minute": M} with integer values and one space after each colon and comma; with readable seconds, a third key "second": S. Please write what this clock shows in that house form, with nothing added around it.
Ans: {"hour": 4, "minute": 57}
